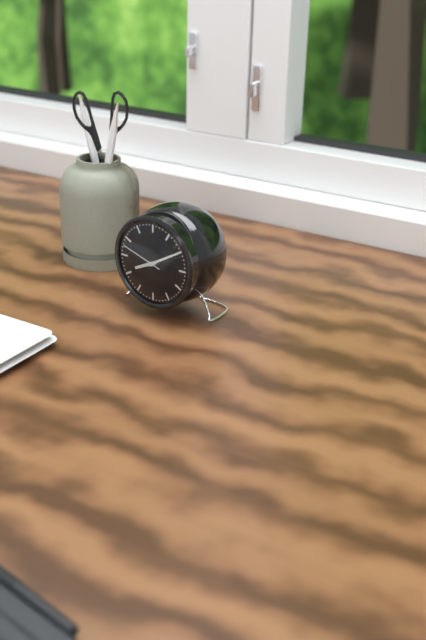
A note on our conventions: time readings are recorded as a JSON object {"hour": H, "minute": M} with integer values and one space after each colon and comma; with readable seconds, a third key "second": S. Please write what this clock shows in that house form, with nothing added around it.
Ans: {"hour": 8, "minute": 10}
